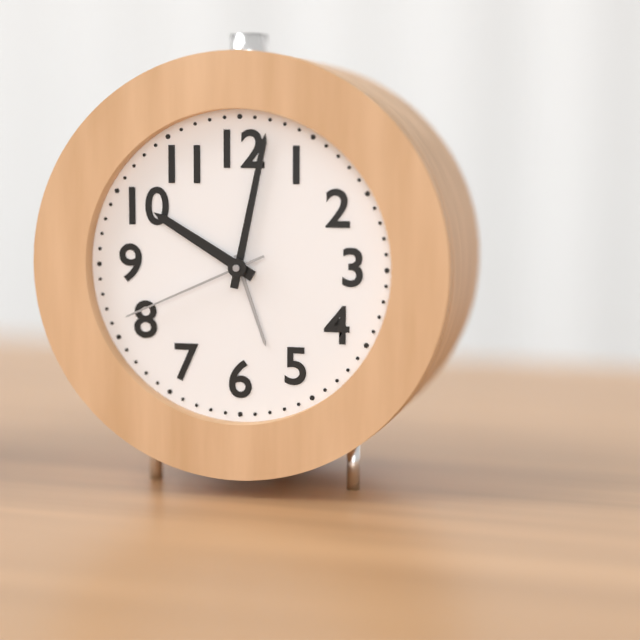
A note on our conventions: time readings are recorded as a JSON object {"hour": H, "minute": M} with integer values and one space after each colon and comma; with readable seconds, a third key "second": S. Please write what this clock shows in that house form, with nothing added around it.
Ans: {"hour": 10, "minute": 2, "second": 41}
